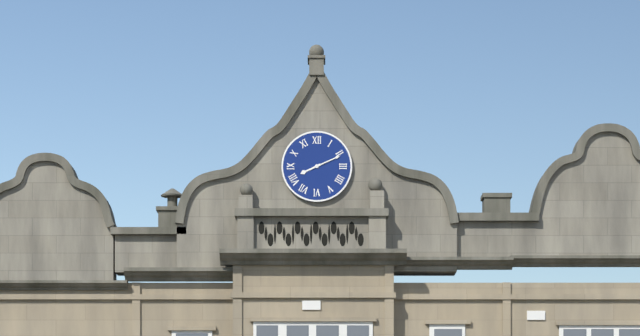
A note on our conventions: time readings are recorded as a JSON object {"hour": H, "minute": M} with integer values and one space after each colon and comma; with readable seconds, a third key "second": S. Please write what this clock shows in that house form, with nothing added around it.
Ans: {"hour": 8, "minute": 11}
